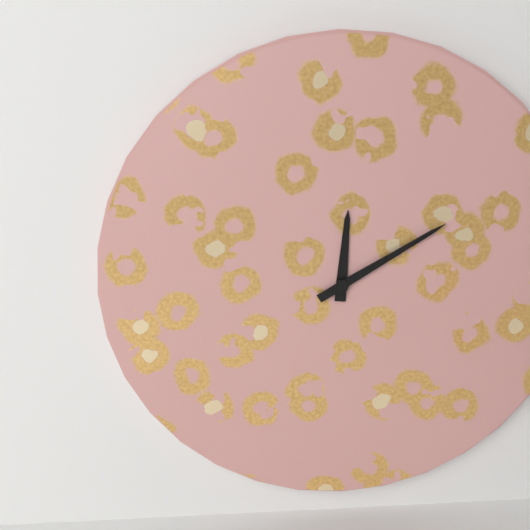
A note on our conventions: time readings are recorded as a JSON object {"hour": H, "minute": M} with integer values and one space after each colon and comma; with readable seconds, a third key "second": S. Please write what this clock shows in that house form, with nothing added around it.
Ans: {"hour": 12, "minute": 10}
